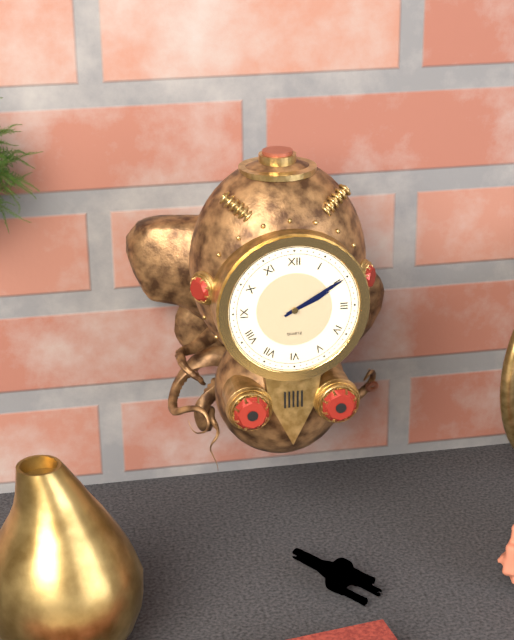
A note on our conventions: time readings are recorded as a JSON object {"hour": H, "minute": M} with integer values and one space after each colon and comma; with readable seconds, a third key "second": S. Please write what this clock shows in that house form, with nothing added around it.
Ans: {"hour": 2, "minute": 10}
